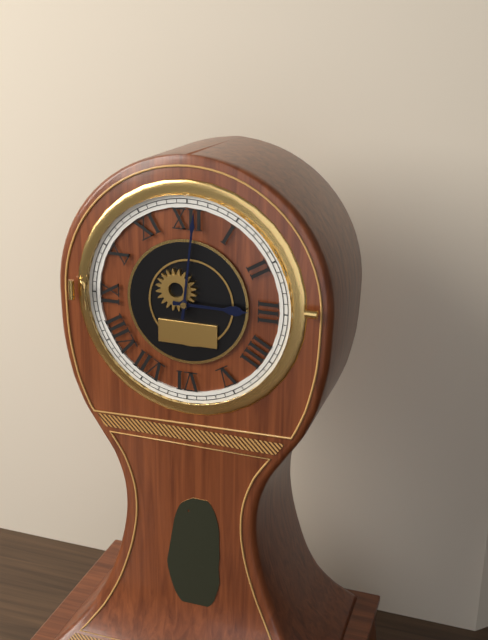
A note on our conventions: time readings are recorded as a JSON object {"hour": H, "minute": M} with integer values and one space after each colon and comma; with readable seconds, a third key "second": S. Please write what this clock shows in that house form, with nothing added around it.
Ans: {"hour": 3, "minute": 1}
